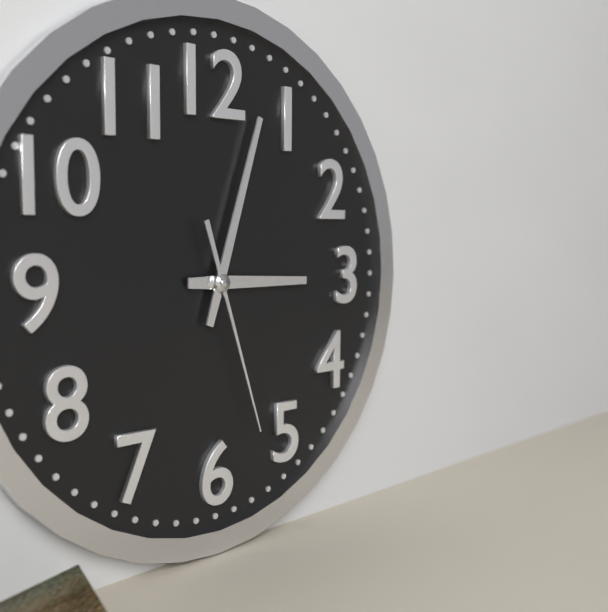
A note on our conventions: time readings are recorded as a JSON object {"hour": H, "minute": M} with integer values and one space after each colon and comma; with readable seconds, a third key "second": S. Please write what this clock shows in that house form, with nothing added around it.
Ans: {"hour": 3, "minute": 3, "second": 27}
